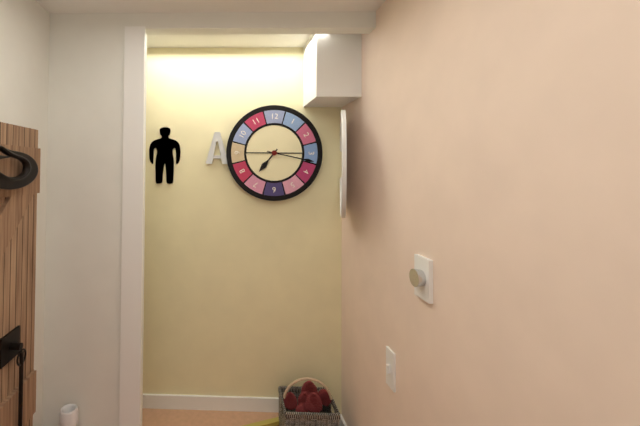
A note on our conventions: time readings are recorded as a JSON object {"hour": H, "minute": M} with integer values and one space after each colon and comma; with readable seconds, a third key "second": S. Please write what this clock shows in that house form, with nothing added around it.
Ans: {"hour": 7, "minute": 17}
